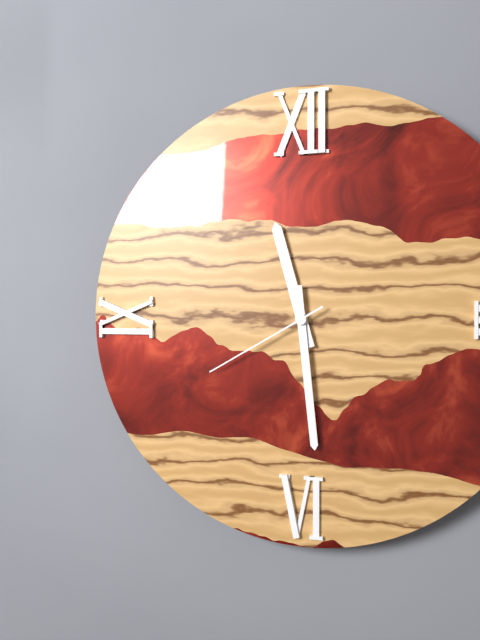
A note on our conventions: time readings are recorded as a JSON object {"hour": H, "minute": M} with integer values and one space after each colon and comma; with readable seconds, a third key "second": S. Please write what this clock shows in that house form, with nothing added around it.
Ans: {"hour": 11, "minute": 29, "second": 40}
